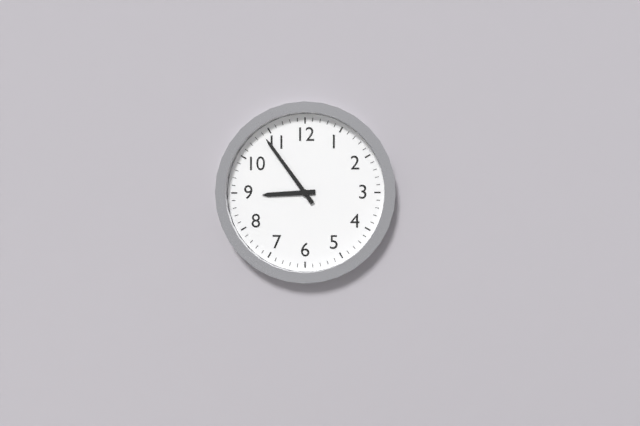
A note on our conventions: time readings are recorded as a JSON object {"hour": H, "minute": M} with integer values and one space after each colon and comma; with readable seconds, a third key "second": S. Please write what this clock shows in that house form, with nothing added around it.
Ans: {"hour": 8, "minute": 54}
